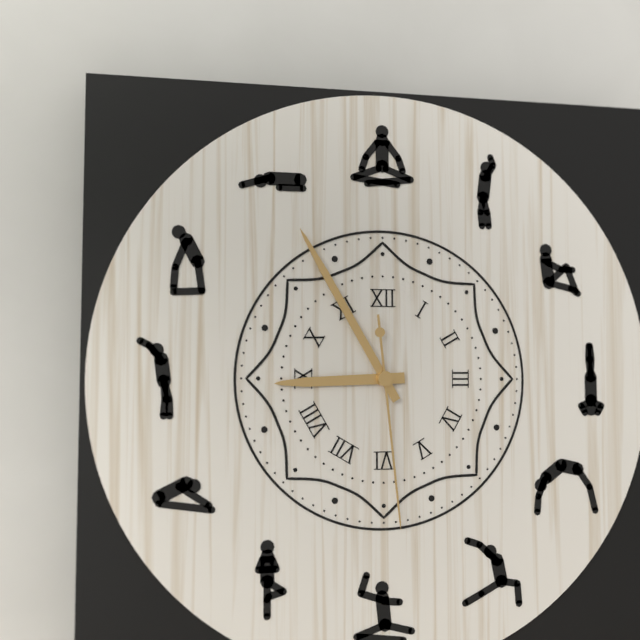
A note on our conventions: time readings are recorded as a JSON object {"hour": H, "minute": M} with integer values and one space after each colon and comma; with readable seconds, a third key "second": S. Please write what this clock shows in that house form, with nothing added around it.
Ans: {"hour": 8, "minute": 55, "second": 29}
